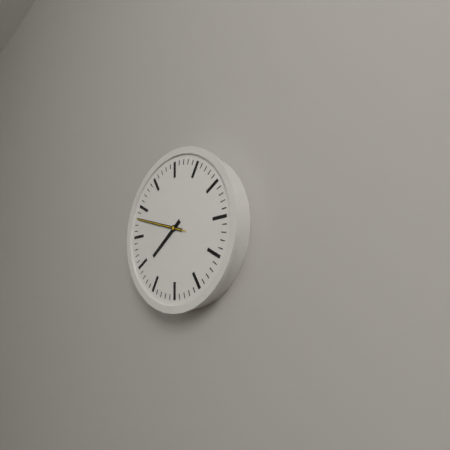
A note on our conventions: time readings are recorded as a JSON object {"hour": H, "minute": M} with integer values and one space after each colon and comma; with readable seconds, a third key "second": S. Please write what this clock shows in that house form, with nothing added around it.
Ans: {"hour": 7, "minute": 48}
